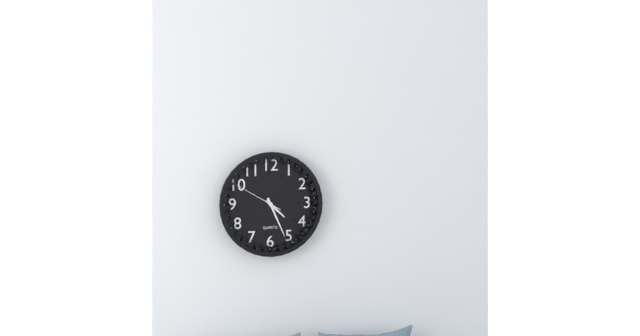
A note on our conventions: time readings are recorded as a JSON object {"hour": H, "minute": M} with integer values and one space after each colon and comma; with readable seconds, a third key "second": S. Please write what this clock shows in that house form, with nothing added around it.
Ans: {"hour": 4, "minute": 26, "second": 50}
